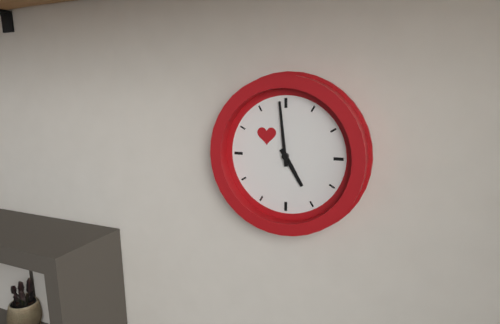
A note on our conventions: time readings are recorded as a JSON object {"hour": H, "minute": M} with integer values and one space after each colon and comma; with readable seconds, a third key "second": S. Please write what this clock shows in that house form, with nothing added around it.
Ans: {"hour": 4, "minute": 59}
